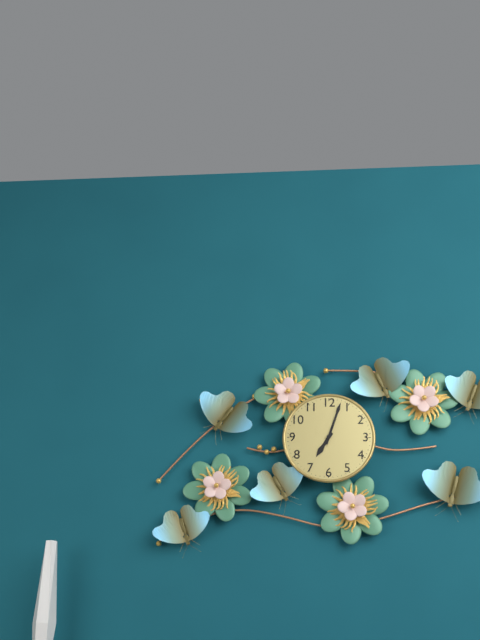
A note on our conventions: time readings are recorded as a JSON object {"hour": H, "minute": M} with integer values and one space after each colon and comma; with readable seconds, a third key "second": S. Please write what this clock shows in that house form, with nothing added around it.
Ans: {"hour": 7, "minute": 3}
